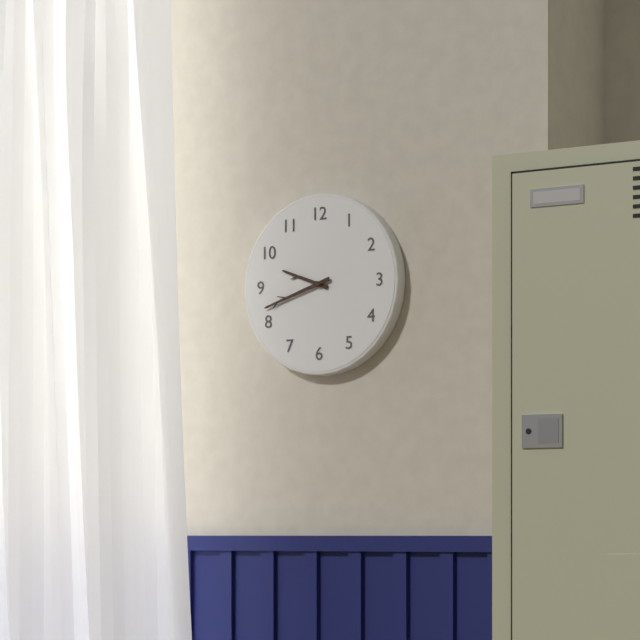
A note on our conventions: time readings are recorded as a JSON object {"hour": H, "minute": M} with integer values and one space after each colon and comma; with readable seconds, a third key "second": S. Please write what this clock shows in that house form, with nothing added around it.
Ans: {"hour": 9, "minute": 42}
